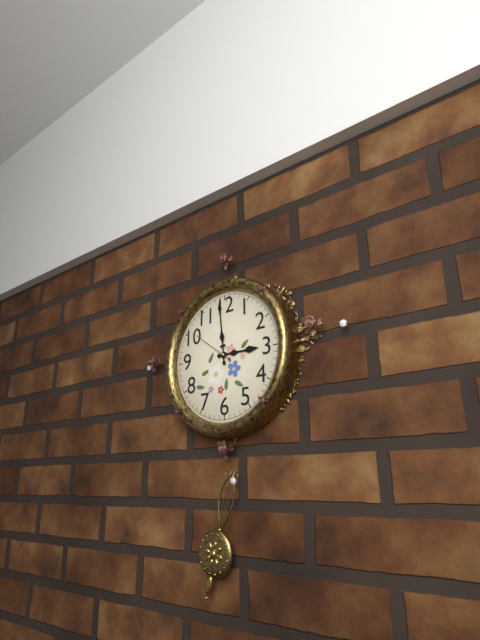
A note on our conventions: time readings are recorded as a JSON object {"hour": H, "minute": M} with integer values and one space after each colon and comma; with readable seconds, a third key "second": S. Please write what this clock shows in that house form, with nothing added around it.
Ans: {"hour": 2, "minute": 59}
